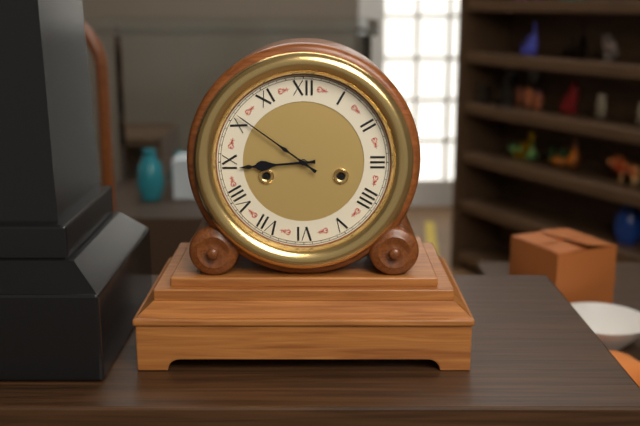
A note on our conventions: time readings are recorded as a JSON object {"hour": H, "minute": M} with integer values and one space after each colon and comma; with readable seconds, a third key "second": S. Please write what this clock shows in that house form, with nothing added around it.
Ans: {"hour": 8, "minute": 51}
